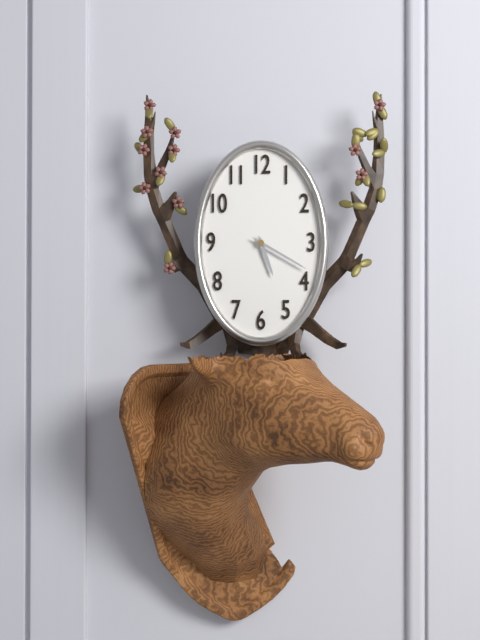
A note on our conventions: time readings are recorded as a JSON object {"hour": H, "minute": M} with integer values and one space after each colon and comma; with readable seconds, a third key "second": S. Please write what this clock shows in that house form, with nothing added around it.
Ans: {"hour": 5, "minute": 20}
